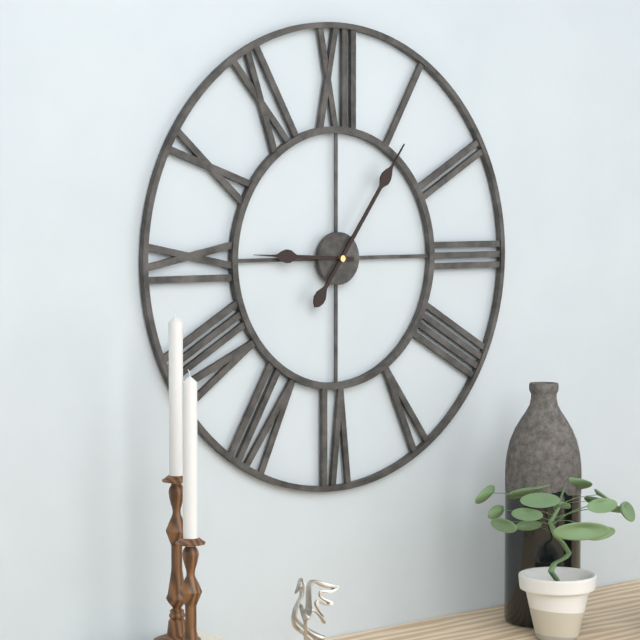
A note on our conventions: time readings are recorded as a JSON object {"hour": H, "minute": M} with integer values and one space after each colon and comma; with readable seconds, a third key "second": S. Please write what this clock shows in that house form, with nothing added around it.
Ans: {"hour": 9, "minute": 6}
